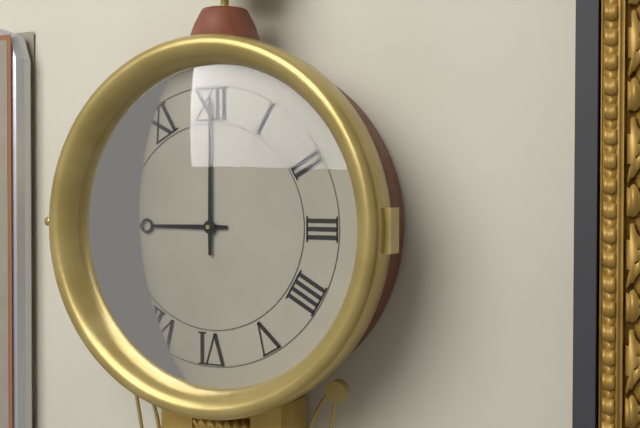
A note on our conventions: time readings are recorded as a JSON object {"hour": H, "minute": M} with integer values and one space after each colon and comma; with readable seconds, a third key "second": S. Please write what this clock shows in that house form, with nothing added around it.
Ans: {"hour": 9, "minute": 0}
